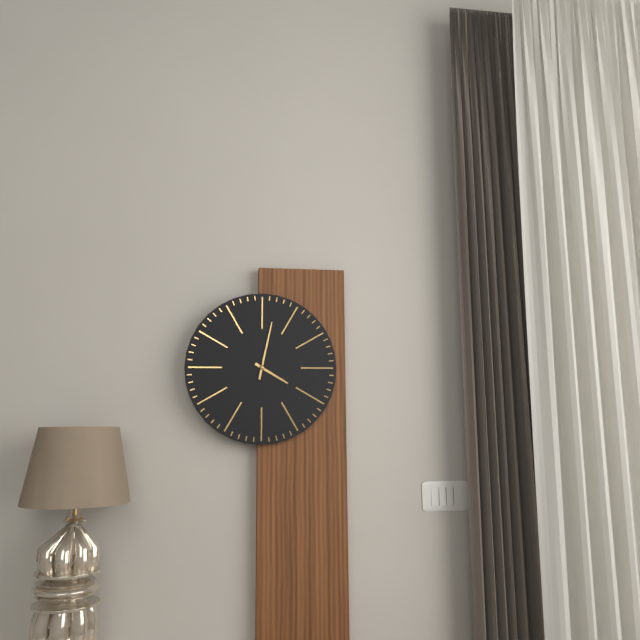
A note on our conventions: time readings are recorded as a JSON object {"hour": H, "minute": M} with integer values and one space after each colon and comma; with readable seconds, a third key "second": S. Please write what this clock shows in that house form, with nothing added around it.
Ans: {"hour": 4, "minute": 2}
